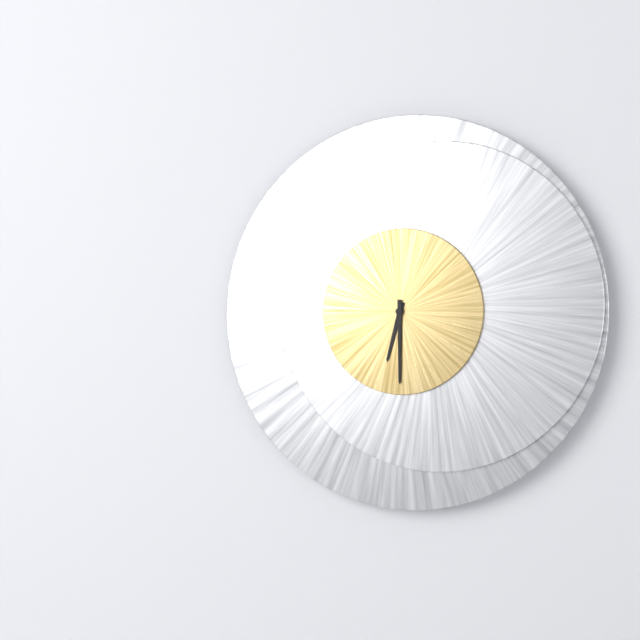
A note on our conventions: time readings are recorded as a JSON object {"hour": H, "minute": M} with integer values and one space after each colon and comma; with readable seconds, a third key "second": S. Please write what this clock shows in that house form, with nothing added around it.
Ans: {"hour": 6, "minute": 30}
